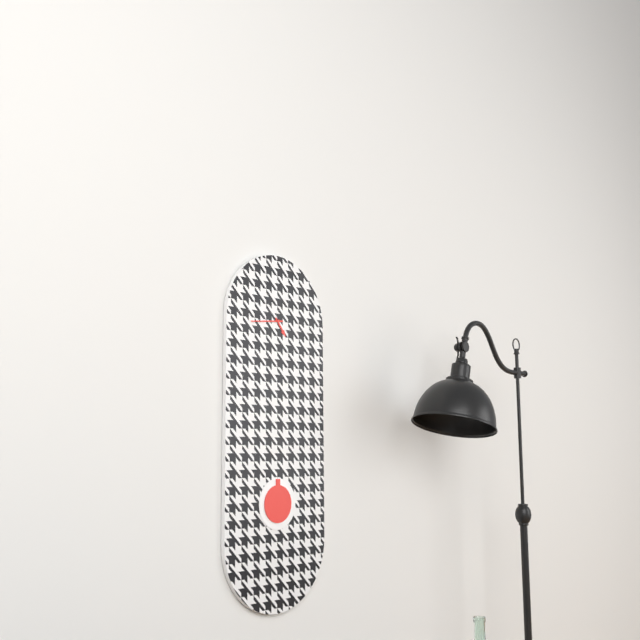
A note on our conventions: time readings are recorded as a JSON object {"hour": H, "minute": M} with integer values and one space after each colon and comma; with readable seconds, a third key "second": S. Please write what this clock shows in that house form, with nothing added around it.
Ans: {"hour": 4, "minute": 44}
